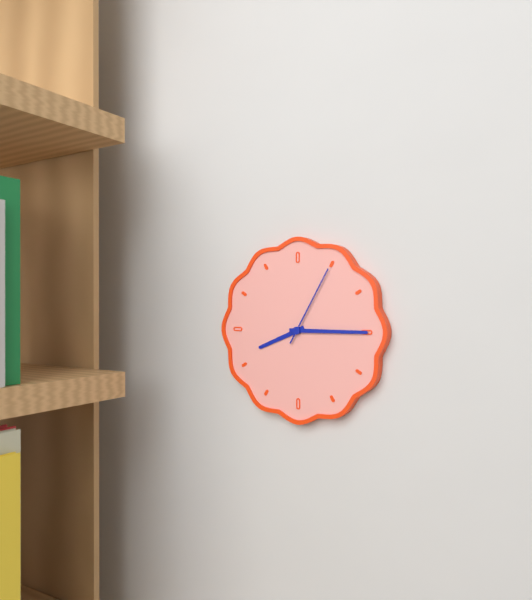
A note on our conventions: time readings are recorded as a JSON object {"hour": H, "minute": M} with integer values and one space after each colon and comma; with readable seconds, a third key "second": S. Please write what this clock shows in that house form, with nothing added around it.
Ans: {"hour": 8, "minute": 15, "second": 5}
